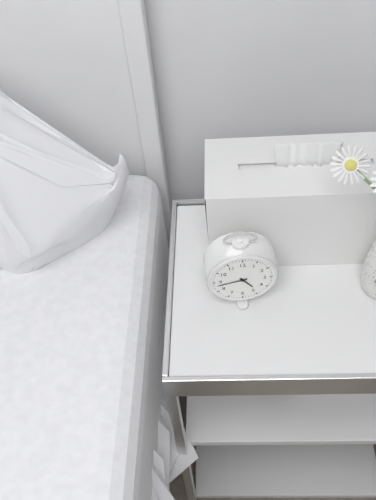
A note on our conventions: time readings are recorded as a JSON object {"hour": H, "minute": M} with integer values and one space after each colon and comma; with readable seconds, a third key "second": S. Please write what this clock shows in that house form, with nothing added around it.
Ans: {"hour": 4, "minute": 43}
